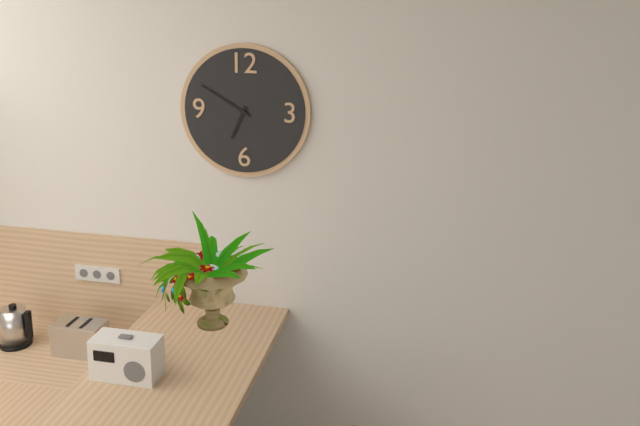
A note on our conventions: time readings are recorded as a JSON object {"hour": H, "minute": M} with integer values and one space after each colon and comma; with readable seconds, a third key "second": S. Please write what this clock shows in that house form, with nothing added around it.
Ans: {"hour": 6, "minute": 50}
